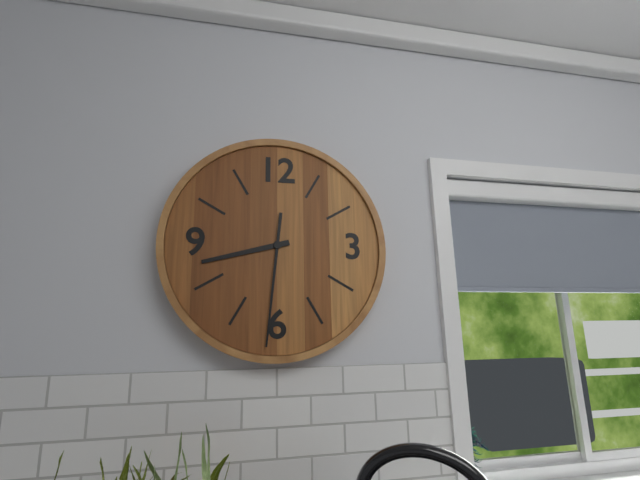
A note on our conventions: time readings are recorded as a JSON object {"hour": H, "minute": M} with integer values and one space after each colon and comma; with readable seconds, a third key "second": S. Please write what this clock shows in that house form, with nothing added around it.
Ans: {"hour": 8, "minute": 31}
